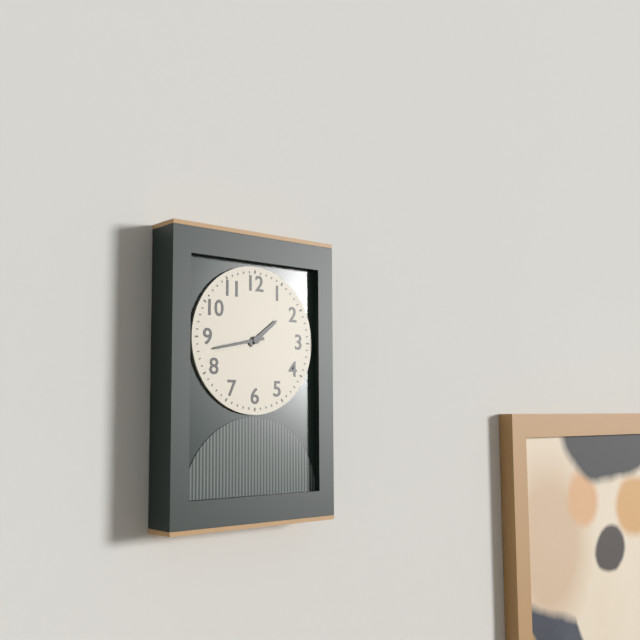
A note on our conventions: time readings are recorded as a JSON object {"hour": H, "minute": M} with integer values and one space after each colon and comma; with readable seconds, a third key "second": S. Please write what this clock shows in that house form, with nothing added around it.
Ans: {"hour": 1, "minute": 43}
